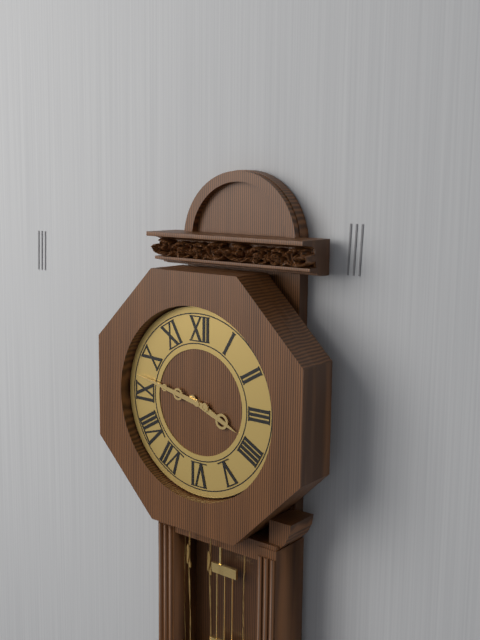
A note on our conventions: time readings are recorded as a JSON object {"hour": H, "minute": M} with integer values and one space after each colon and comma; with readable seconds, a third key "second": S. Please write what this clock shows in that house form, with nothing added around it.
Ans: {"hour": 3, "minute": 47}
